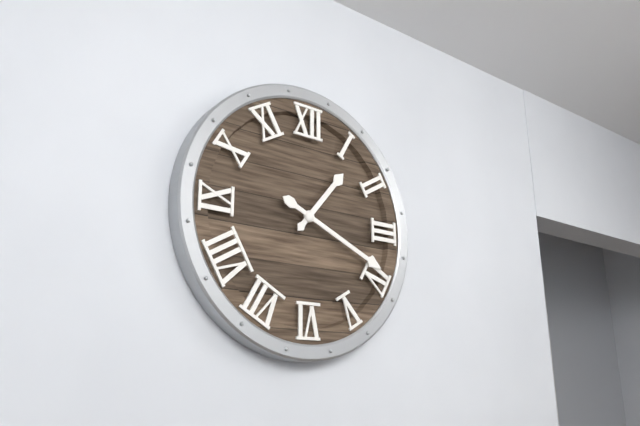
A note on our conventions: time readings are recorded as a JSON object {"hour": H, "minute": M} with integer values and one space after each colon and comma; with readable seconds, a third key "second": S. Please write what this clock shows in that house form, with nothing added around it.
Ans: {"hour": 1, "minute": 19}
